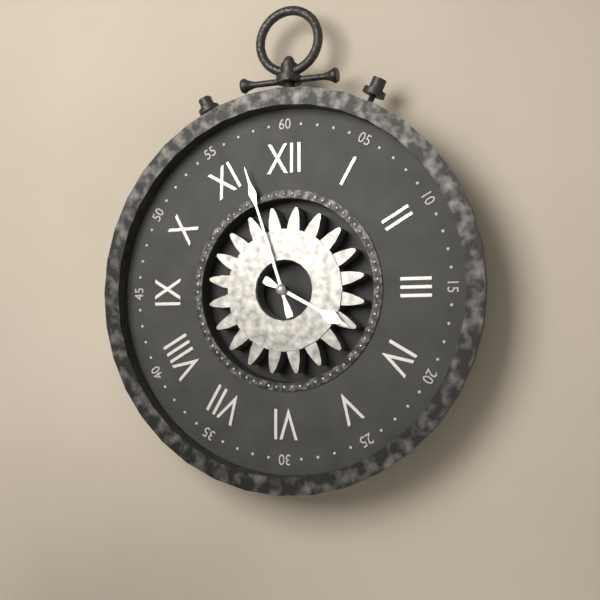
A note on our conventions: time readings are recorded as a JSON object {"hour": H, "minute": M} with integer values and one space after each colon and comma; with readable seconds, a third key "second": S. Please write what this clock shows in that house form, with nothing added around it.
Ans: {"hour": 3, "minute": 57}
